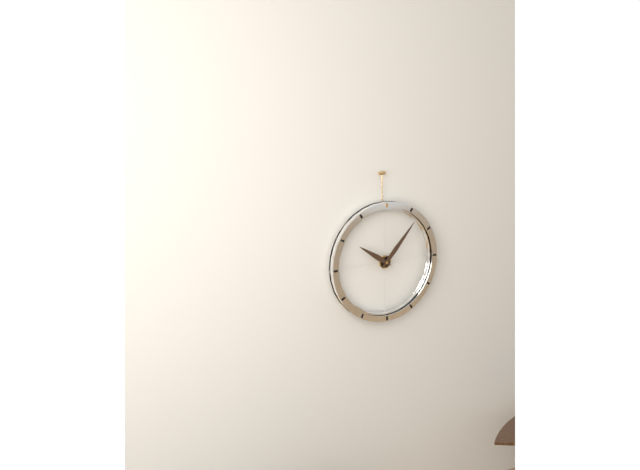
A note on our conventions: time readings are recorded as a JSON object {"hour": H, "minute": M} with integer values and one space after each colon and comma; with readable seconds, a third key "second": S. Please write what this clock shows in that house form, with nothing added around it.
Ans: {"hour": 10, "minute": 7}
